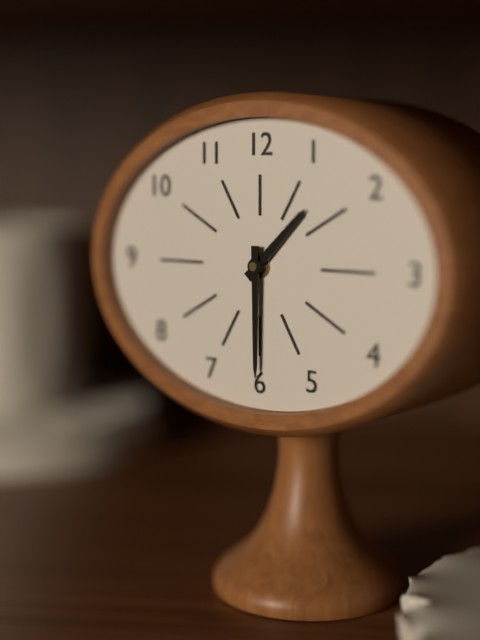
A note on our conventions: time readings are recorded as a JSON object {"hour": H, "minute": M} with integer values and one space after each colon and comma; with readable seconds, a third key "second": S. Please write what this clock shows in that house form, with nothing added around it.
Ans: {"hour": 1, "minute": 30}
